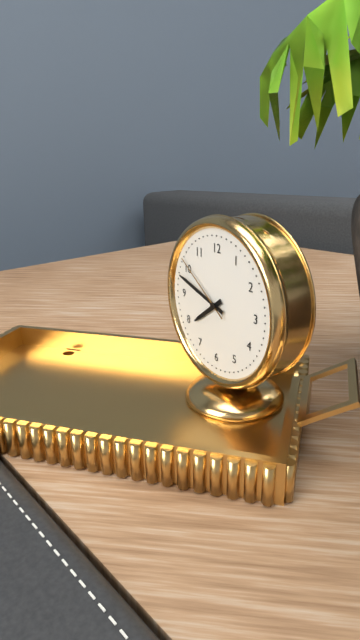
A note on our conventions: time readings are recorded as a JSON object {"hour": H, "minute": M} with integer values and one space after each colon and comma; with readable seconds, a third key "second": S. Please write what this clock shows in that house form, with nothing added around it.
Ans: {"hour": 7, "minute": 48, "second": 51}
